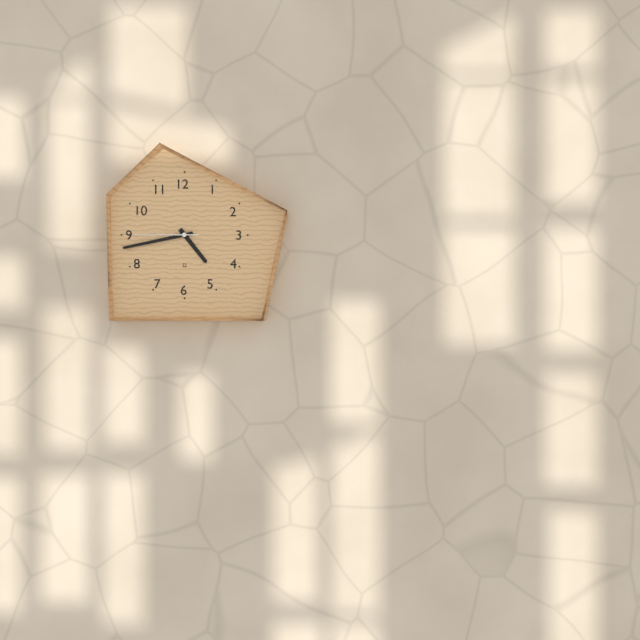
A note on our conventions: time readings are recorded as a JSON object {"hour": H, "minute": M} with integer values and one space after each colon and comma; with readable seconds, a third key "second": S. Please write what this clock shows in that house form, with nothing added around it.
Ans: {"hour": 4, "minute": 43, "second": 45}
